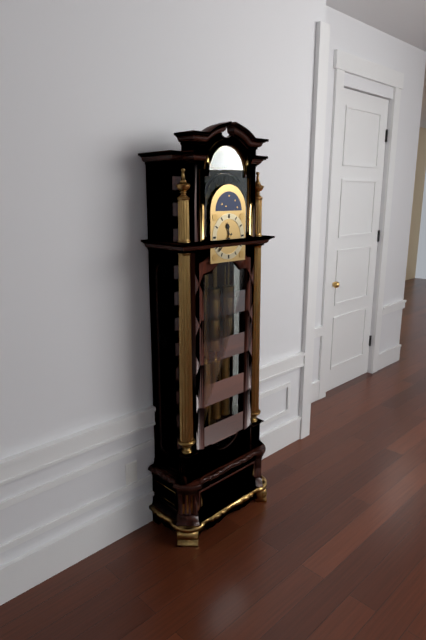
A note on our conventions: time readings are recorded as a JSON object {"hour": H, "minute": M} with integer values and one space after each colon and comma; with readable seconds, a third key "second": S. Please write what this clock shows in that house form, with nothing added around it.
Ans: {"hour": 11, "minute": 38}
